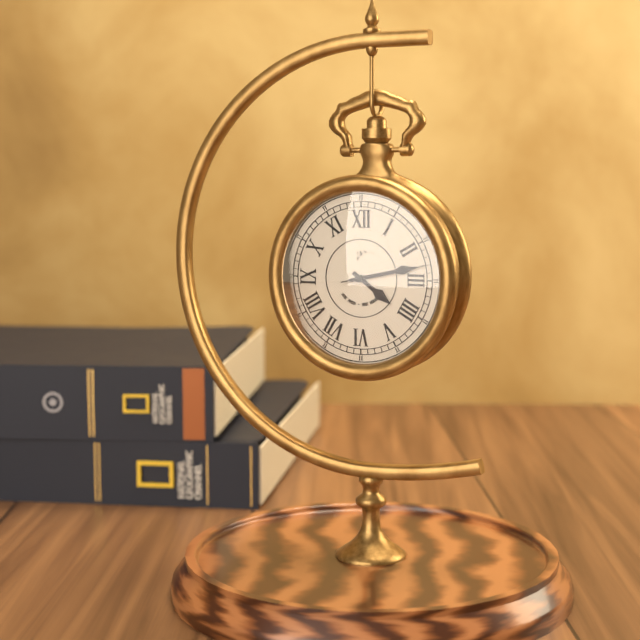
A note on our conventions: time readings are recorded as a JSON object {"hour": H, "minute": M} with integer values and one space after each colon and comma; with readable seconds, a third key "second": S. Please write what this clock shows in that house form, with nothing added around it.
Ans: {"hour": 4, "minute": 13, "second": 13}
